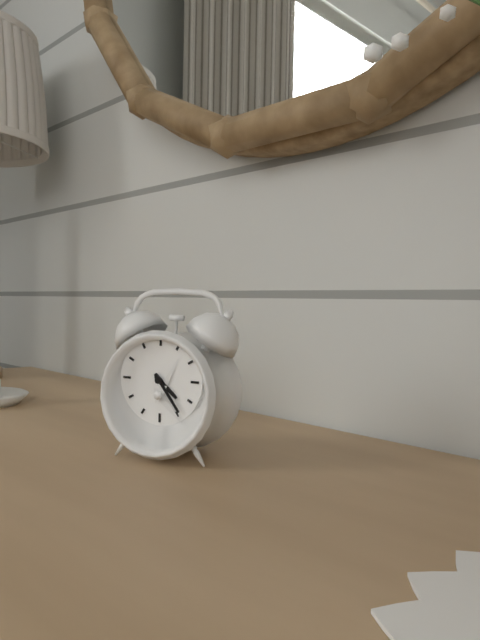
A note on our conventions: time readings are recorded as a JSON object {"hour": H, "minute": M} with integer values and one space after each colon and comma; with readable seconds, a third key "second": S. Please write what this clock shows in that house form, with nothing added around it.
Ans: {"hour": 4, "minute": 24}
